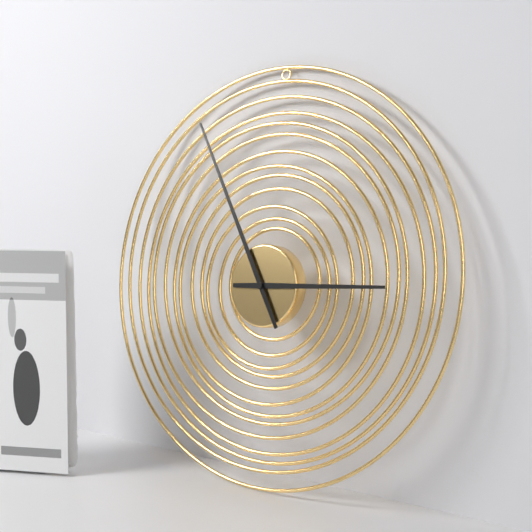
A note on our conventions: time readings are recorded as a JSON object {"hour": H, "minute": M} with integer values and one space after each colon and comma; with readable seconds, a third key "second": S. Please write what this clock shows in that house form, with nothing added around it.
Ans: {"hour": 2, "minute": 55}
